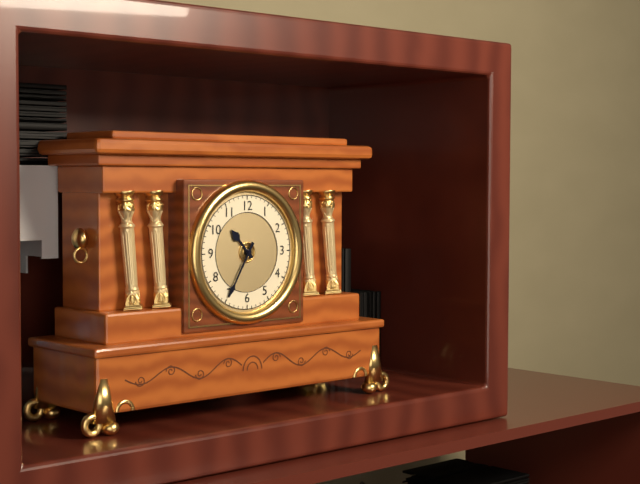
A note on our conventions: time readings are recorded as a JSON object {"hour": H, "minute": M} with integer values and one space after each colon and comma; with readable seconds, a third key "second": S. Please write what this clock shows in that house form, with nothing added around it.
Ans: {"hour": 10, "minute": 35}
